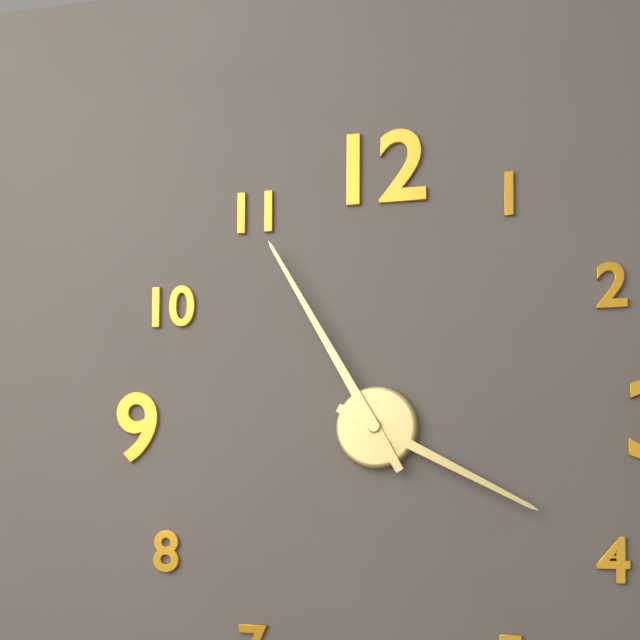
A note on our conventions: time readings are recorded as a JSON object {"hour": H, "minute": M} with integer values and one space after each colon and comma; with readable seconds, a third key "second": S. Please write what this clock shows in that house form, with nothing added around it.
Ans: {"hour": 3, "minute": 55}
